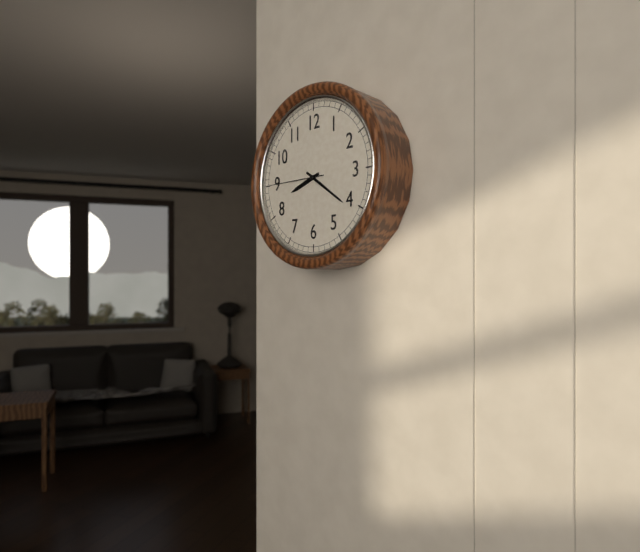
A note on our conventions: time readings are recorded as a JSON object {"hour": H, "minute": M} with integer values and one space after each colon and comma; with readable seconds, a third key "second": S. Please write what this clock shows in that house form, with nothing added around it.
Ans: {"hour": 8, "minute": 21, "second": 45}
